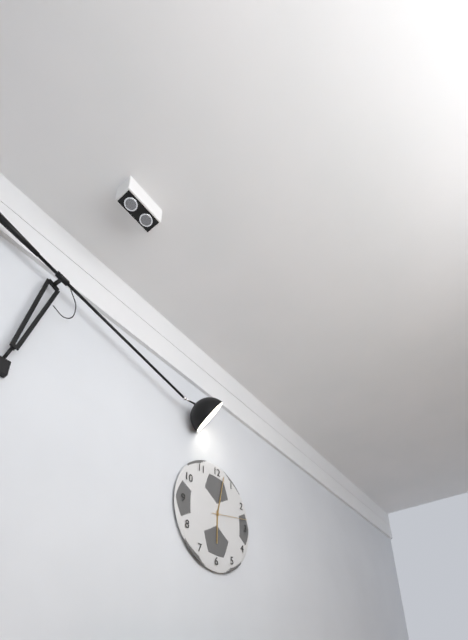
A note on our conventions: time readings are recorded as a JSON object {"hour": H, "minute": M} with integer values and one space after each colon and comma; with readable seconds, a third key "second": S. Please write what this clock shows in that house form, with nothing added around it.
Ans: {"hour": 6, "minute": 2}
